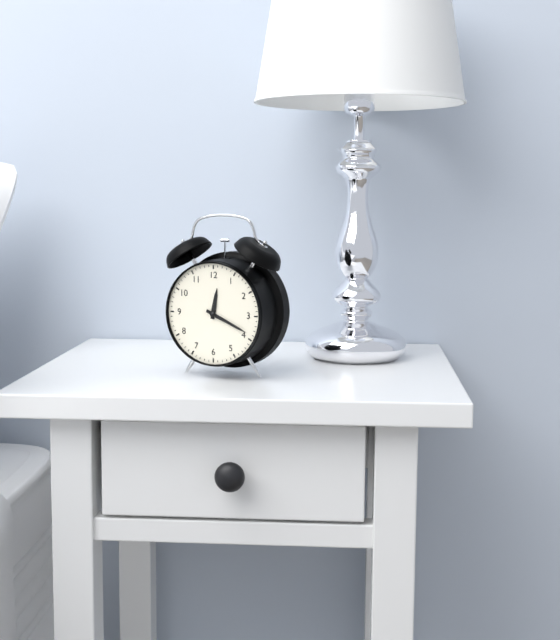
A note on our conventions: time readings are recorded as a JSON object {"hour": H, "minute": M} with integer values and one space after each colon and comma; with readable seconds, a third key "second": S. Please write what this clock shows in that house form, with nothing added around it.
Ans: {"hour": 12, "minute": 19}
